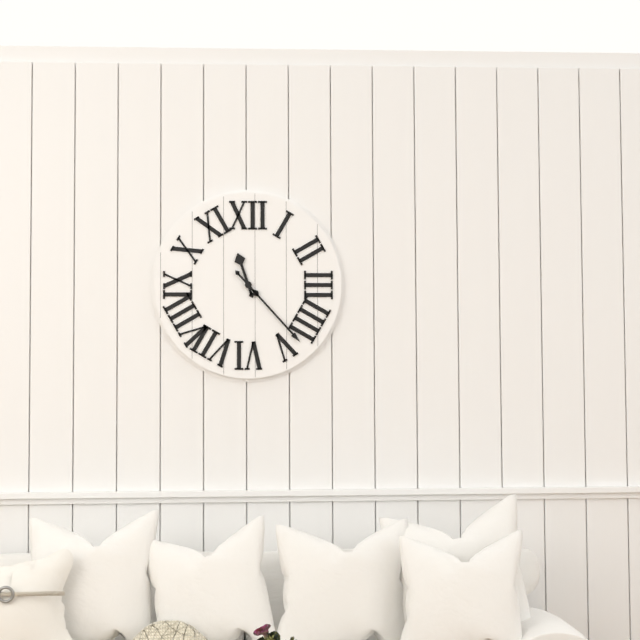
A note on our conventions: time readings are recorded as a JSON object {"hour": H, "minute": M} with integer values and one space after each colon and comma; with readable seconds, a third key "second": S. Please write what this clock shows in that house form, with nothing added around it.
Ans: {"hour": 11, "minute": 23}
